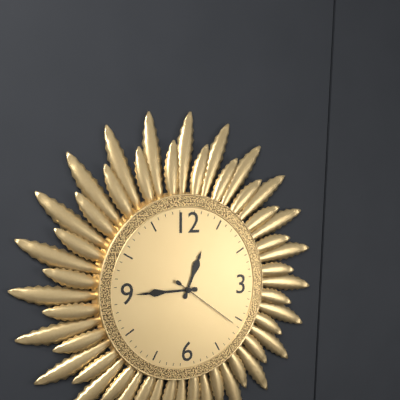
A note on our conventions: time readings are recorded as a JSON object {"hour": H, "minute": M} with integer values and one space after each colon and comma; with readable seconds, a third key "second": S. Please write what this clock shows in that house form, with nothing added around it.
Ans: {"hour": 12, "minute": 45, "second": 21}
